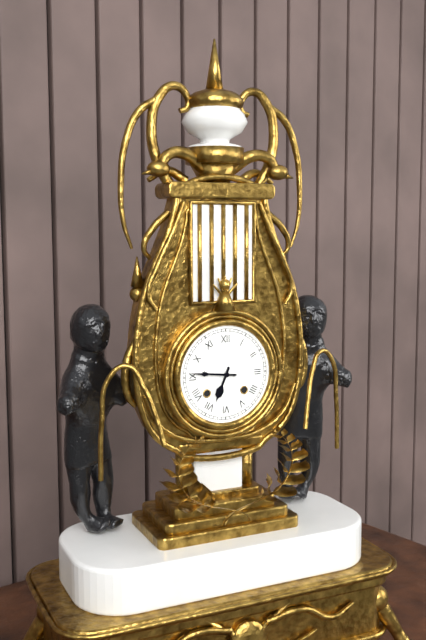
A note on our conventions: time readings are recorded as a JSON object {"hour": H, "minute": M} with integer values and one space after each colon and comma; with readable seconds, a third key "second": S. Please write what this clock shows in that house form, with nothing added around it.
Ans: {"hour": 6, "minute": 46}
